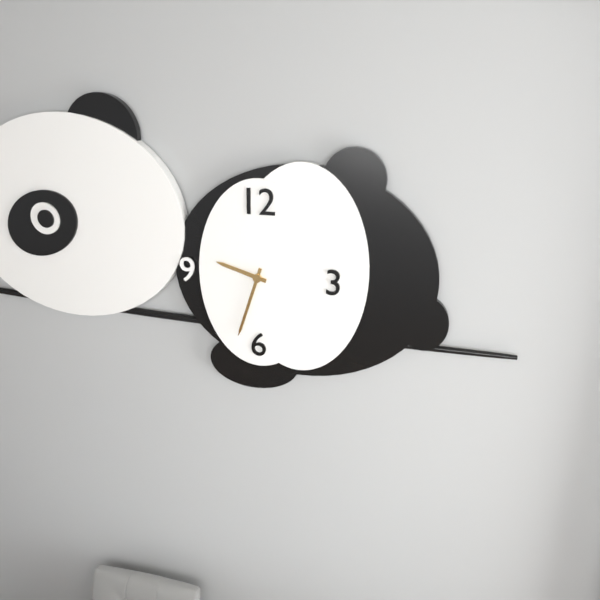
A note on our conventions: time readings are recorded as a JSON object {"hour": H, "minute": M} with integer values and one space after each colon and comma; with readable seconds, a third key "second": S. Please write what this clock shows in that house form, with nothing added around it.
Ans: {"hour": 9, "minute": 33}
